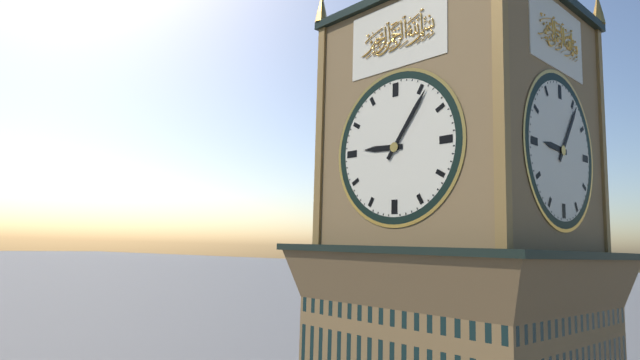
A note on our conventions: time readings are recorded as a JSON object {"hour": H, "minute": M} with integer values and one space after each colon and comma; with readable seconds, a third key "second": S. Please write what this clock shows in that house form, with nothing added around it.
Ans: {"hour": 9, "minute": 6}
